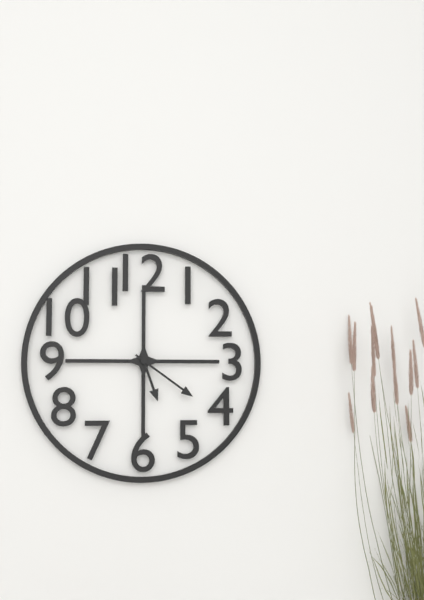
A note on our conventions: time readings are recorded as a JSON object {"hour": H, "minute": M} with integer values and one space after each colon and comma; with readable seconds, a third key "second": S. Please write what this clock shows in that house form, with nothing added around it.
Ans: {"hour": 5, "minute": 21}
